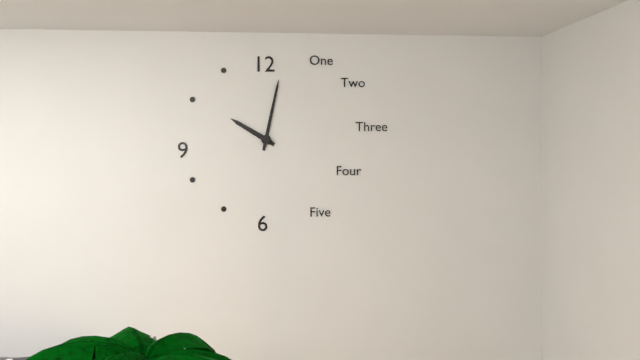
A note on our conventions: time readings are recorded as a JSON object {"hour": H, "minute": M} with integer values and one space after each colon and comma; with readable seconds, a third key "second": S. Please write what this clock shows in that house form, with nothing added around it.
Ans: {"hour": 10, "minute": 2}
